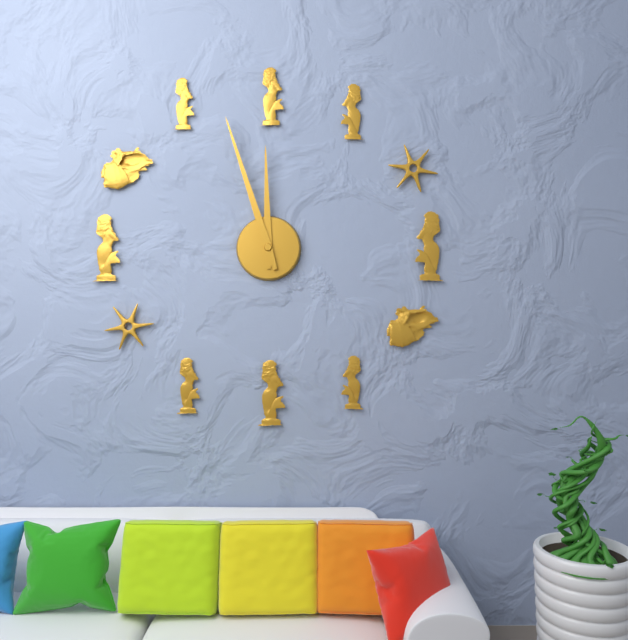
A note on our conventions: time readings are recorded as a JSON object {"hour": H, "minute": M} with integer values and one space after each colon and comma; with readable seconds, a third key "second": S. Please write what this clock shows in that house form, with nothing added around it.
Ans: {"hour": 11, "minute": 57}
